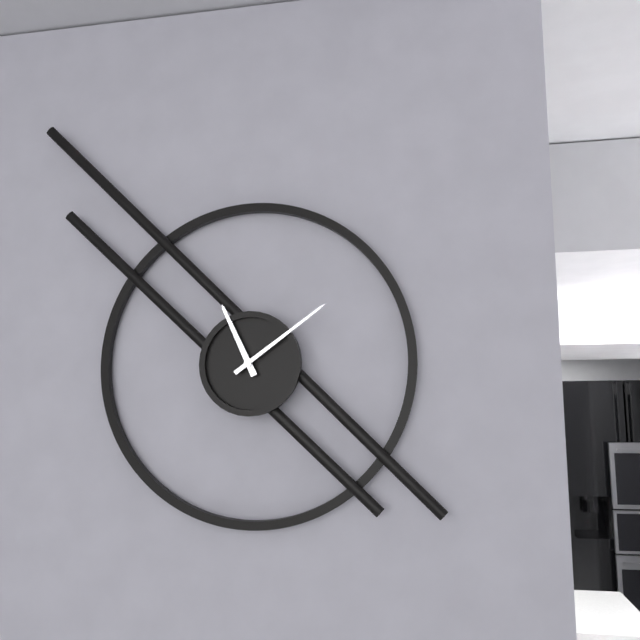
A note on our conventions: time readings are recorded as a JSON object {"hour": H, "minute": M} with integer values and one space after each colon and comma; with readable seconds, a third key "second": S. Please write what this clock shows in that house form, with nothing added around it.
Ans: {"hour": 11, "minute": 9}
